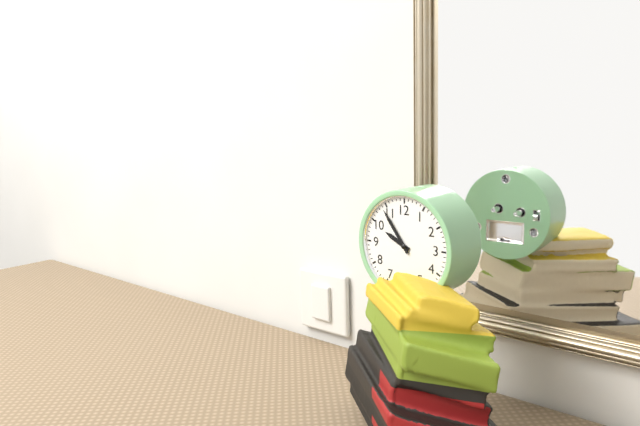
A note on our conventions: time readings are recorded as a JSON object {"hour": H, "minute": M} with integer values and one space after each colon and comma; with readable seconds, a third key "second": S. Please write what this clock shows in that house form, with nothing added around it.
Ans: {"hour": 9, "minute": 54}
